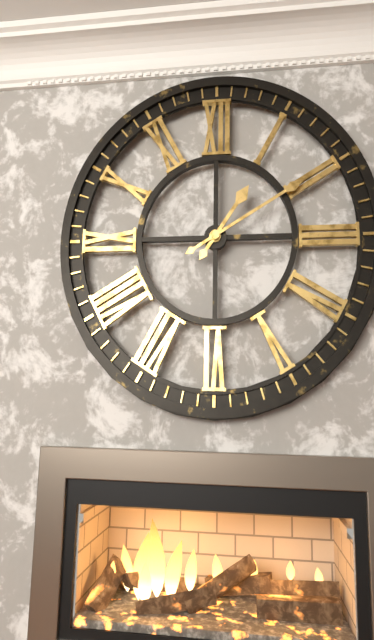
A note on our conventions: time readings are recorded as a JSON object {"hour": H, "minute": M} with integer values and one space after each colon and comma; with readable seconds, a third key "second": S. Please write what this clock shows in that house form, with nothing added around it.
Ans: {"hour": 1, "minute": 10}
